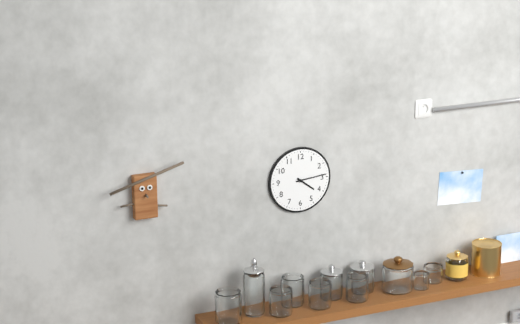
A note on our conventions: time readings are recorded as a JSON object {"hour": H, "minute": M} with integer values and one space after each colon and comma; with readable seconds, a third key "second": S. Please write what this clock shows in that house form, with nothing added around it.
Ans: {"hour": 4, "minute": 14}
